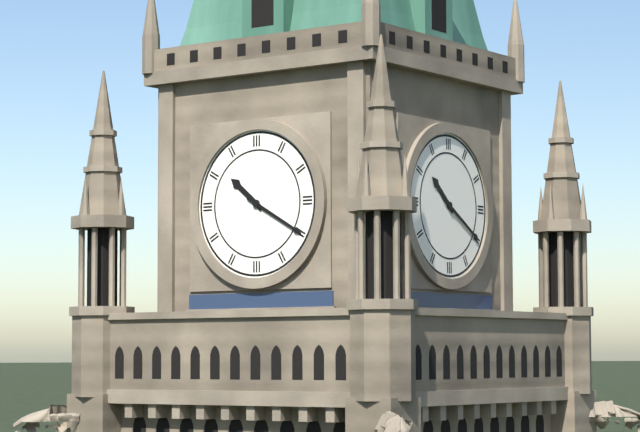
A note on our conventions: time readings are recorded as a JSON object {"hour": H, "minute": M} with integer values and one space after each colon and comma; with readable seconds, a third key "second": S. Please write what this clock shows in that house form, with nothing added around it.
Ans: {"hour": 10, "minute": 20}
